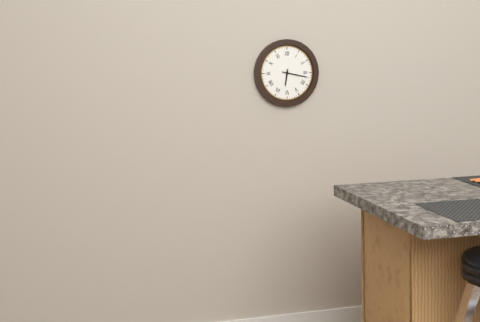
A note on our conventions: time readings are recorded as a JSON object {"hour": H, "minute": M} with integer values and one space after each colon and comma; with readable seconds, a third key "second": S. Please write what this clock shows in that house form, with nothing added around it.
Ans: {"hour": 6, "minute": 17}
